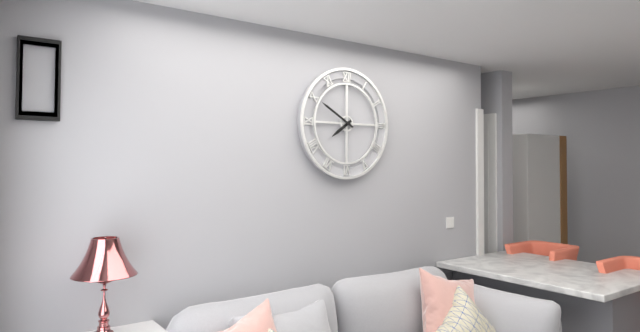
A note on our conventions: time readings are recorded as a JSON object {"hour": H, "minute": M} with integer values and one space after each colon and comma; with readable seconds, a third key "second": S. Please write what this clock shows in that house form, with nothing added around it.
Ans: {"hour": 7, "minute": 50}
